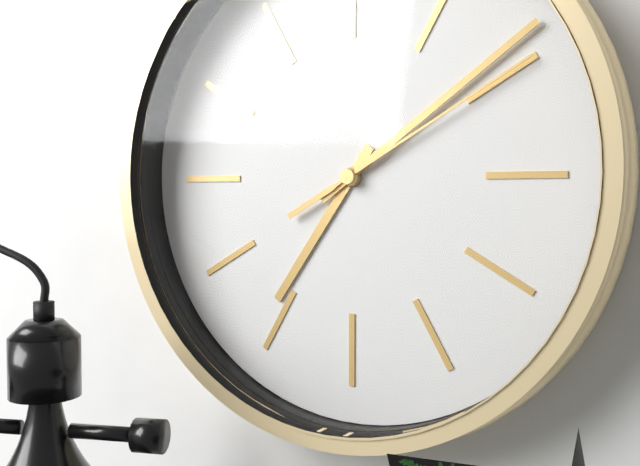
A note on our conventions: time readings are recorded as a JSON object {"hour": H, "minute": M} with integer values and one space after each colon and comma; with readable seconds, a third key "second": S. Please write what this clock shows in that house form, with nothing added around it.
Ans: {"hour": 7, "minute": 9, "second": 10}
